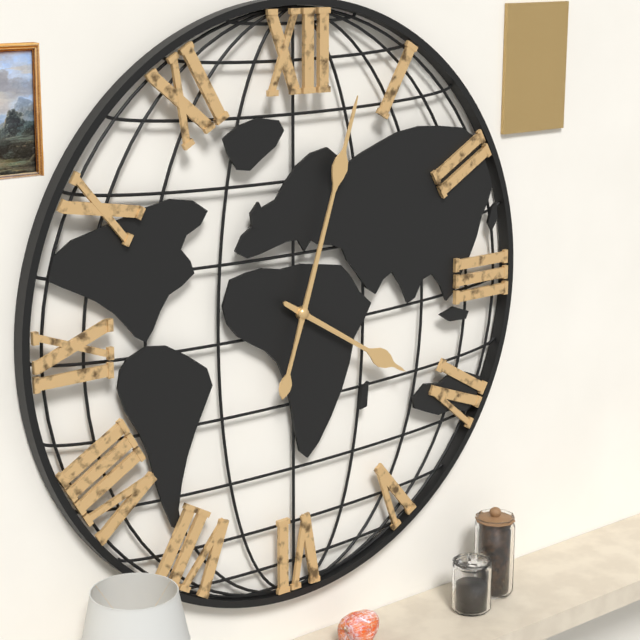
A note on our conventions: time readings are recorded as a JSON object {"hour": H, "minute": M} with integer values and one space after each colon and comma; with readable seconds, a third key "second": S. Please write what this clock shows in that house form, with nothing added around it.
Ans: {"hour": 4, "minute": 3}
